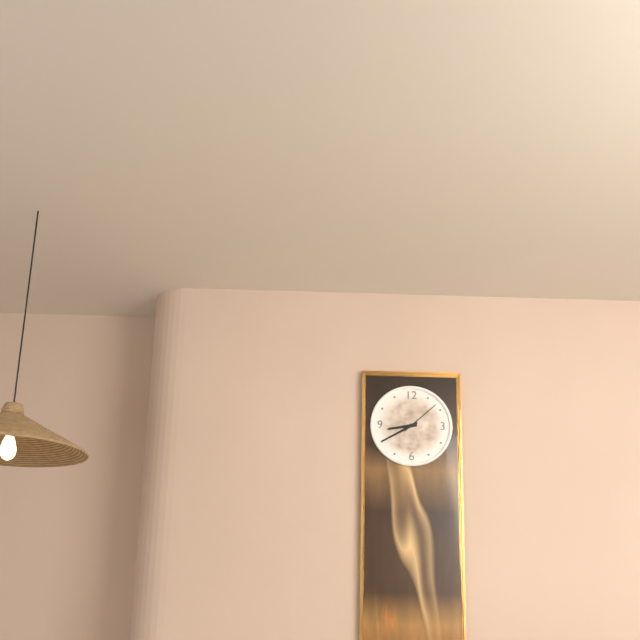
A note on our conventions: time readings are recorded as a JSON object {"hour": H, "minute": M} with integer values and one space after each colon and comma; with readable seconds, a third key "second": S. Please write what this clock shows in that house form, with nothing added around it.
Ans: {"hour": 8, "minute": 40}
